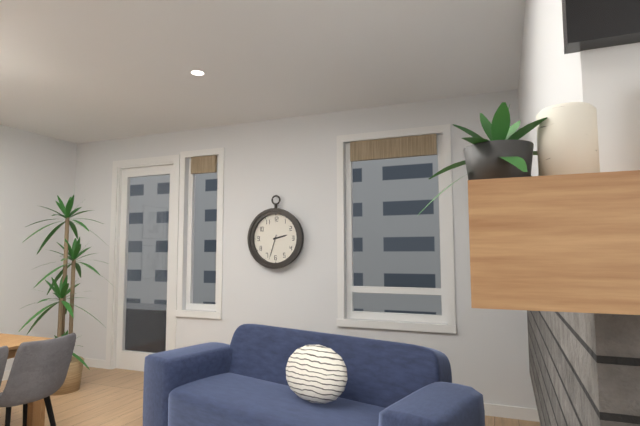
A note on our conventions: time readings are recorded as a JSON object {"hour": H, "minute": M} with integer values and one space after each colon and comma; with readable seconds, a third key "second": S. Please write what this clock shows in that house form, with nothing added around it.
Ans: {"hour": 2, "minute": 33}
